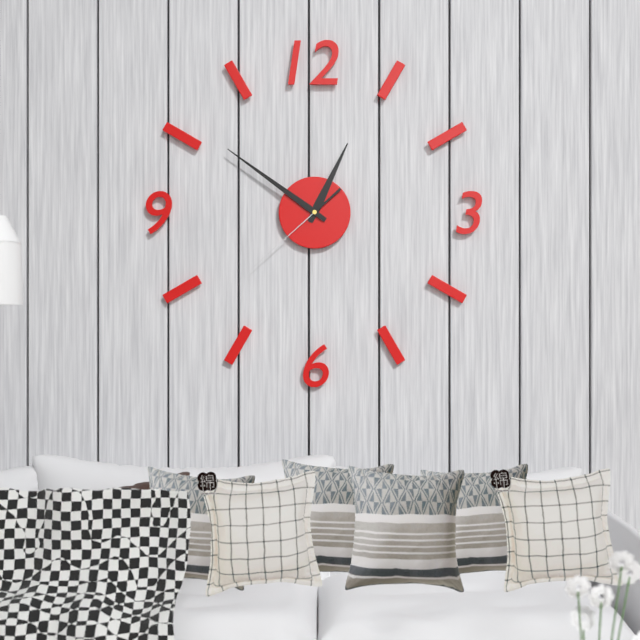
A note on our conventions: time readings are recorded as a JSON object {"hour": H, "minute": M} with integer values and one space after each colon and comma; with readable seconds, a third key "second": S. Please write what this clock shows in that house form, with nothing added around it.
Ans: {"hour": 12, "minute": 51, "second": 38}
